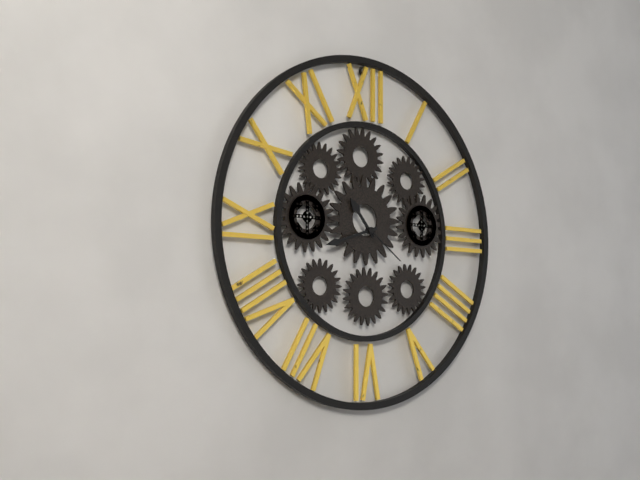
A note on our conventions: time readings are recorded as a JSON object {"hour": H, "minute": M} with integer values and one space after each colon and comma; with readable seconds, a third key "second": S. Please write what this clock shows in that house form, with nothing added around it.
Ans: {"hour": 10, "minute": 42, "second": 21}
